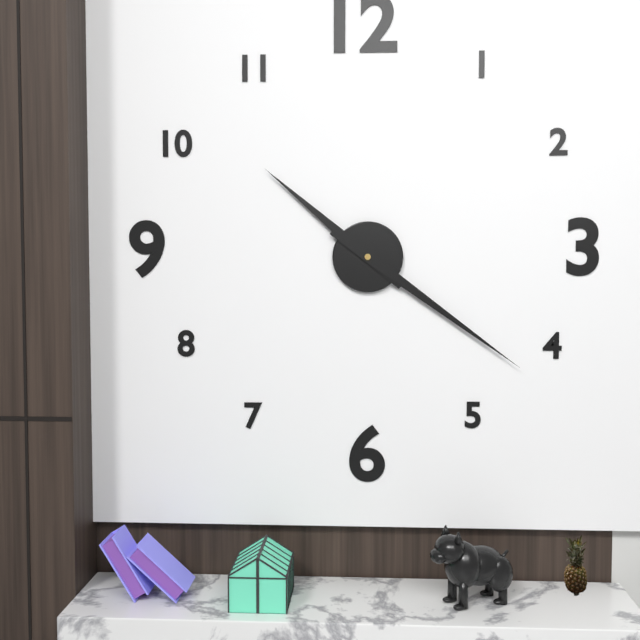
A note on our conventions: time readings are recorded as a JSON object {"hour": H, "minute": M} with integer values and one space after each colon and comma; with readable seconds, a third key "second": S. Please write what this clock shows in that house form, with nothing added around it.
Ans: {"hour": 10, "minute": 21}
